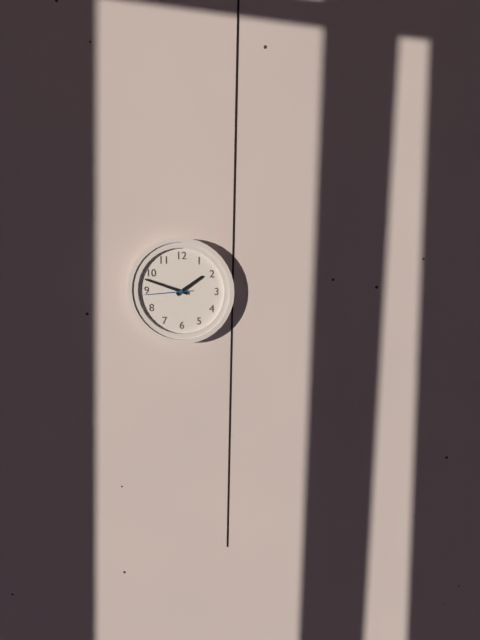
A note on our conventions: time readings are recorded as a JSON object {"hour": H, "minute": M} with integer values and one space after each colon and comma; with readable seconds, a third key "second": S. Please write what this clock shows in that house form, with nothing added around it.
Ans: {"hour": 1, "minute": 48}
